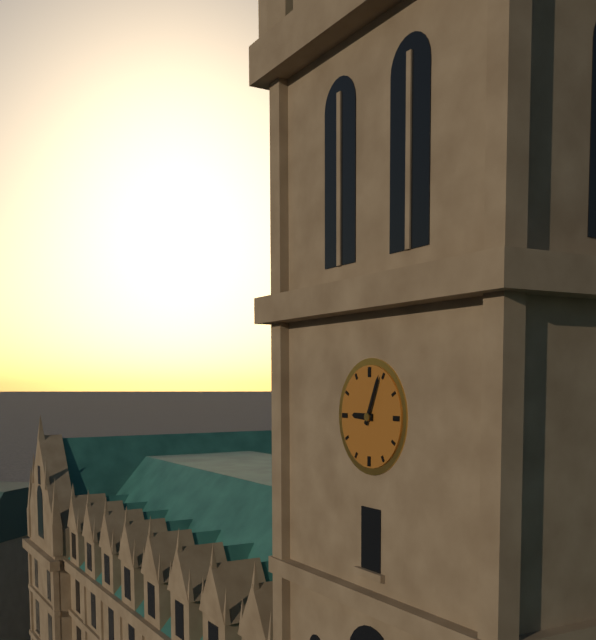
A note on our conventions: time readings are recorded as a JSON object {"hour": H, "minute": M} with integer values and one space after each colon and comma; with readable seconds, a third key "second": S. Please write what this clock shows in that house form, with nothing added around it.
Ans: {"hour": 9, "minute": 4}
